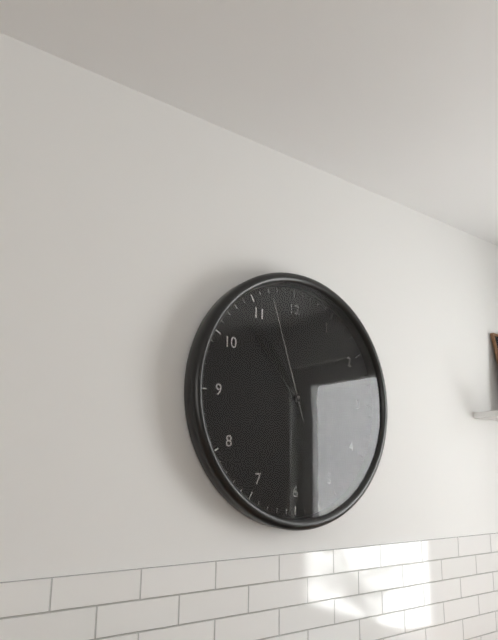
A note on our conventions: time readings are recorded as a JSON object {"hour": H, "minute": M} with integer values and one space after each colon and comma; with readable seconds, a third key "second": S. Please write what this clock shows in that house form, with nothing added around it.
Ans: {"hour": 10, "minute": 53, "second": 57}
